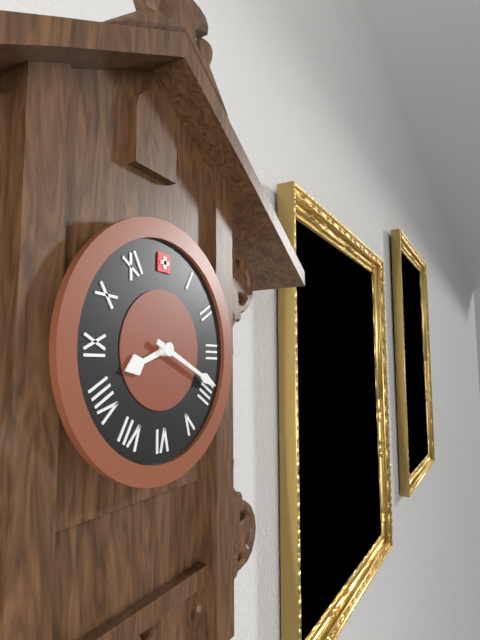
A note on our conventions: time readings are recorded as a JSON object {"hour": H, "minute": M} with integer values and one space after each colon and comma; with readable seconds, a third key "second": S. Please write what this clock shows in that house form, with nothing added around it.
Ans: {"hour": 8, "minute": 19}
